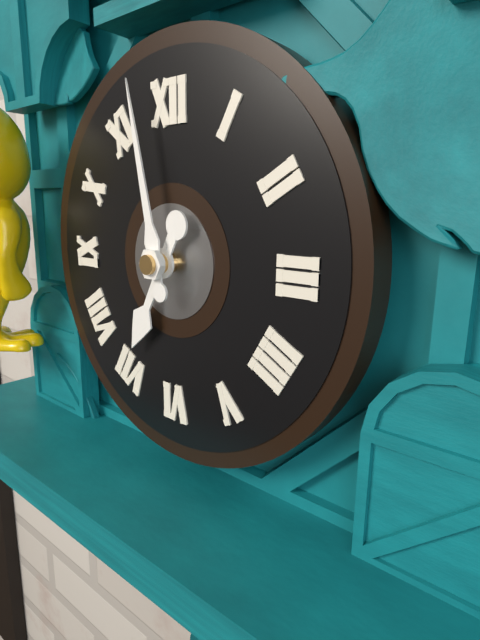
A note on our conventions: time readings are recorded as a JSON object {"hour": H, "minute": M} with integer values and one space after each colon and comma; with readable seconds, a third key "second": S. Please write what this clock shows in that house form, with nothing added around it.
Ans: {"hour": 6, "minute": 58}
